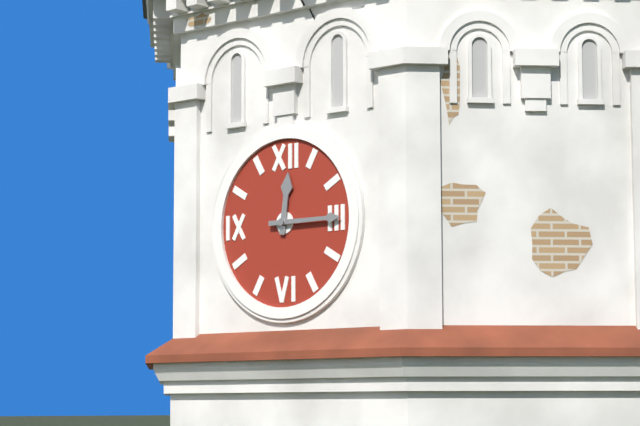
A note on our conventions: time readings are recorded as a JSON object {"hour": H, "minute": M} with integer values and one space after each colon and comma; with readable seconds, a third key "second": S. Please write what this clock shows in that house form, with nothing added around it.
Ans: {"hour": 12, "minute": 15}
